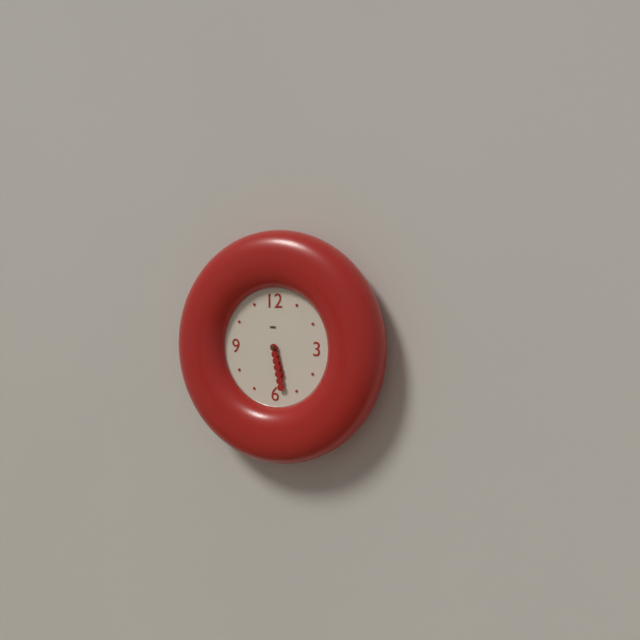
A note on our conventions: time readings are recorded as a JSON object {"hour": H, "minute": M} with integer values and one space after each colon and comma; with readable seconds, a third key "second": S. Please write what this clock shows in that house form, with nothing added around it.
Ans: {"hour": 5, "minute": 28}
